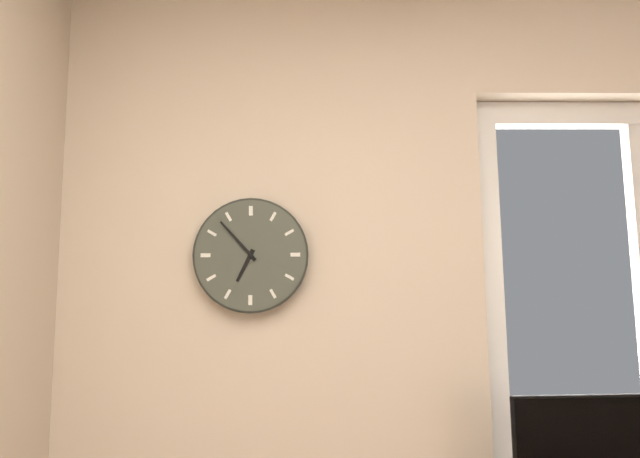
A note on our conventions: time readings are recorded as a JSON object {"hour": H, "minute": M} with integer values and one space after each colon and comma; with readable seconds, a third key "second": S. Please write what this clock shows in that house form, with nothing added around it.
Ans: {"hour": 6, "minute": 53}
